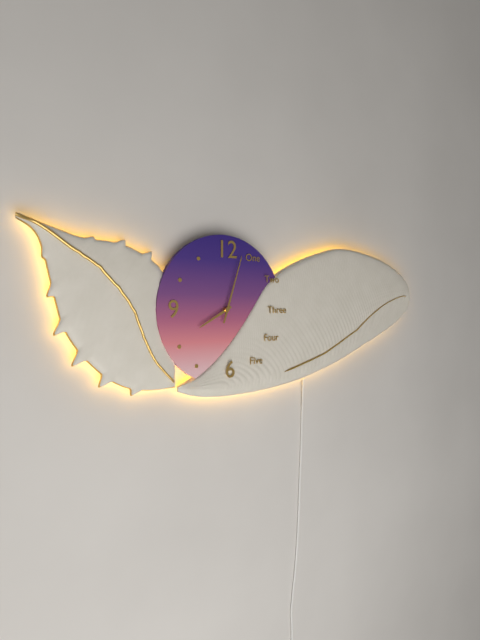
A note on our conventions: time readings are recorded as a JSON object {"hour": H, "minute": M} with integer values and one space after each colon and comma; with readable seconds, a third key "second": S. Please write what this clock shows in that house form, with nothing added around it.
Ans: {"hour": 8, "minute": 3}
